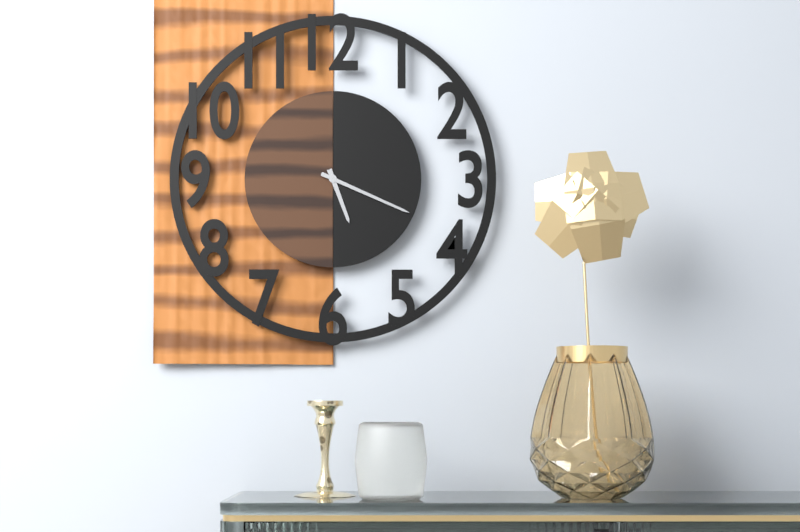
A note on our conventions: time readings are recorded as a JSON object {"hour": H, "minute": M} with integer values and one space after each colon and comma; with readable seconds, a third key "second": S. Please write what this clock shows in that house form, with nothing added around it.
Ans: {"hour": 5, "minute": 19}
